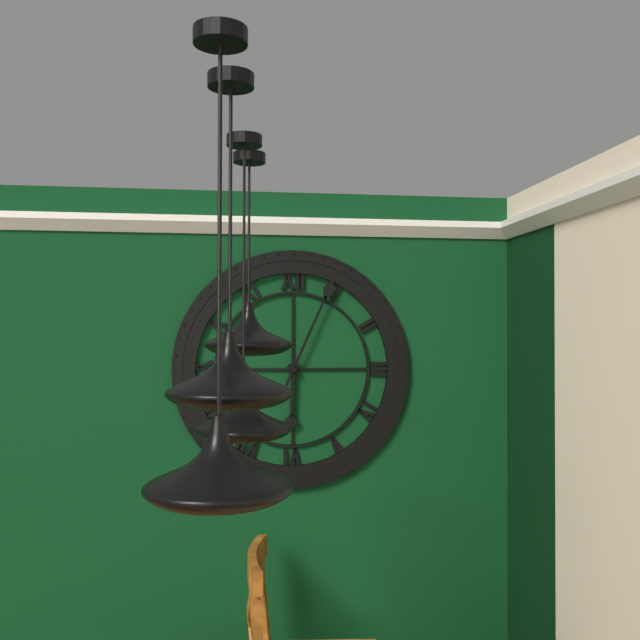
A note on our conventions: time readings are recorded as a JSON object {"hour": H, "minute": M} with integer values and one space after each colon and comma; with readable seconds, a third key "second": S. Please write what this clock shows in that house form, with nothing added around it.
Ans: {"hour": 6, "minute": 4}
